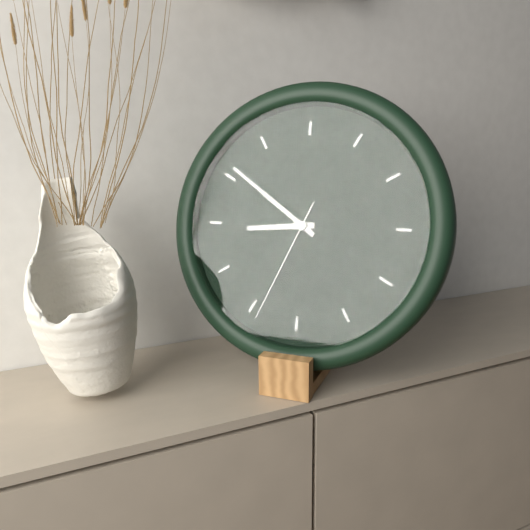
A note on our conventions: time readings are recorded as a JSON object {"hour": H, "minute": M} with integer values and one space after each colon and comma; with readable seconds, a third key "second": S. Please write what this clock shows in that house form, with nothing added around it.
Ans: {"hour": 8, "minute": 51, "second": 34}
